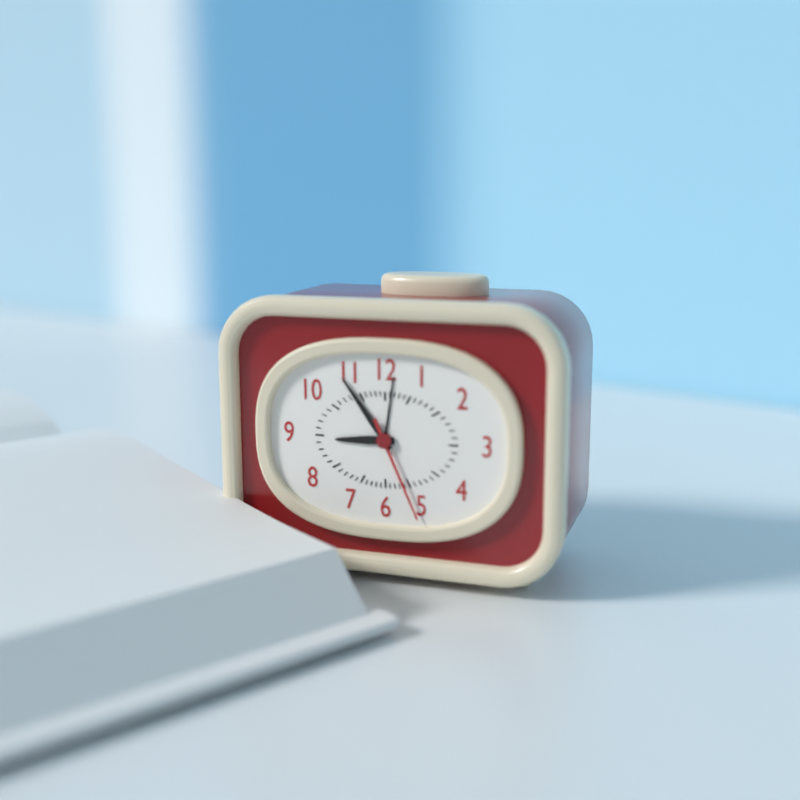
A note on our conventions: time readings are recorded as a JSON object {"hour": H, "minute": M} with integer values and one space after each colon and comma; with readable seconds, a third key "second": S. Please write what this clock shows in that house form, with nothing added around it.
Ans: {"hour": 8, "minute": 54, "second": 26}
